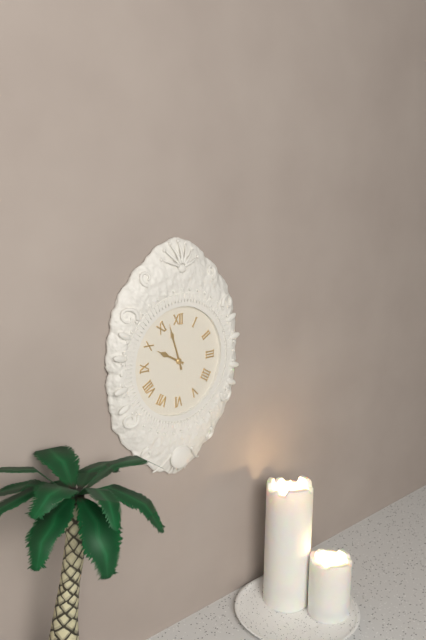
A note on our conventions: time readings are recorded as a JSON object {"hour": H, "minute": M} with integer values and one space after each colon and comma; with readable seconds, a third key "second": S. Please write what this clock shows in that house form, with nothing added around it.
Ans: {"hour": 9, "minute": 57}
